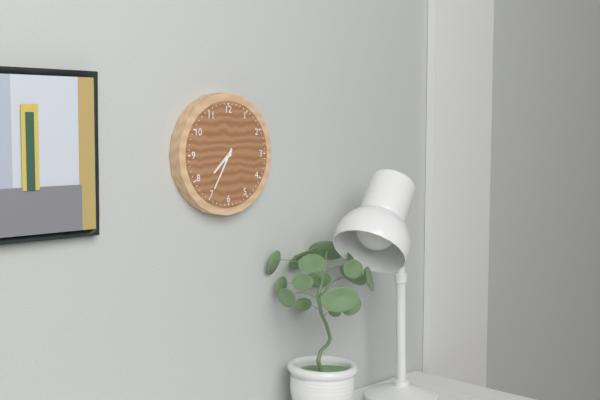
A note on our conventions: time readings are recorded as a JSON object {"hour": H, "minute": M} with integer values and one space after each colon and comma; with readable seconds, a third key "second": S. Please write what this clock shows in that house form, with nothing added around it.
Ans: {"hour": 7, "minute": 35}
